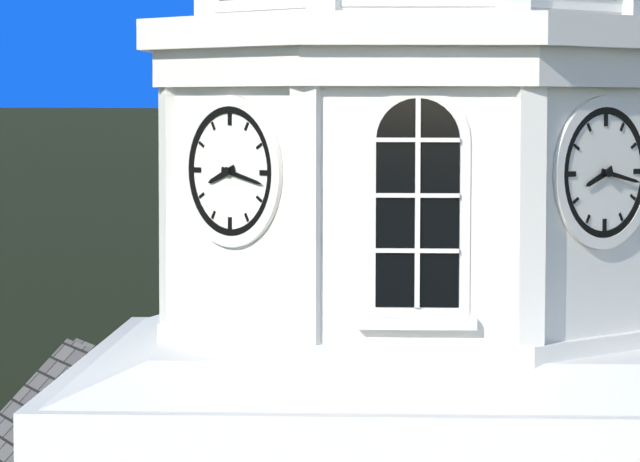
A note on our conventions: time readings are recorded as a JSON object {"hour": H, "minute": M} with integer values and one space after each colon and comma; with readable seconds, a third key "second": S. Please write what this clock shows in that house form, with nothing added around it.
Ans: {"hour": 8, "minute": 17}
